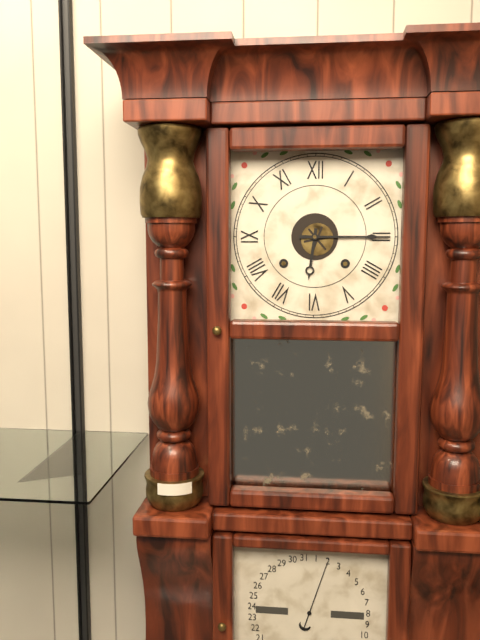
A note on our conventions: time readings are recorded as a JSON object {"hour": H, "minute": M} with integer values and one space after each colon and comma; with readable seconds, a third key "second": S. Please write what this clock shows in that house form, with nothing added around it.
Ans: {"hour": 6, "minute": 15}
